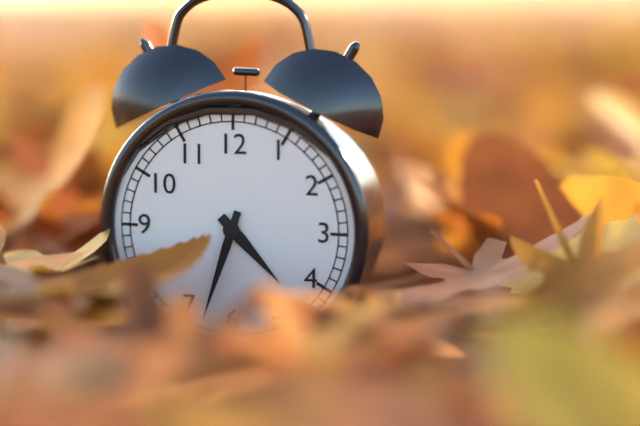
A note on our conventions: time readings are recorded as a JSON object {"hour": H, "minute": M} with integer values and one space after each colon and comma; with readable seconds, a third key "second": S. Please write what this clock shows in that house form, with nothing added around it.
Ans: {"hour": 4, "minute": 33}
